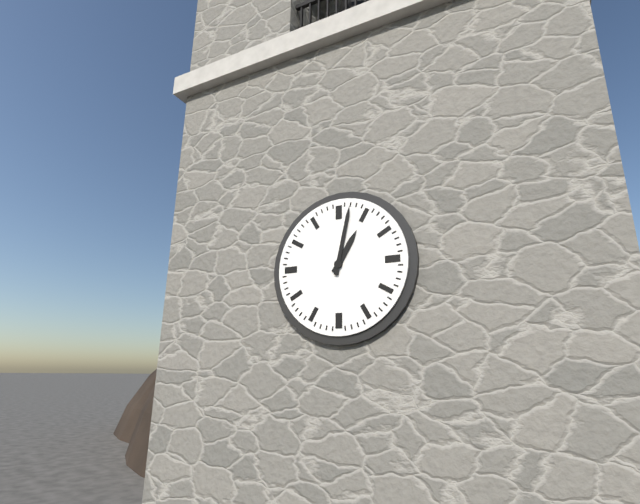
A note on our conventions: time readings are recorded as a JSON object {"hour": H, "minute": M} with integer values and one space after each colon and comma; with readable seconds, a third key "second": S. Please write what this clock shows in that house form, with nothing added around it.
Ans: {"hour": 1, "minute": 2}
